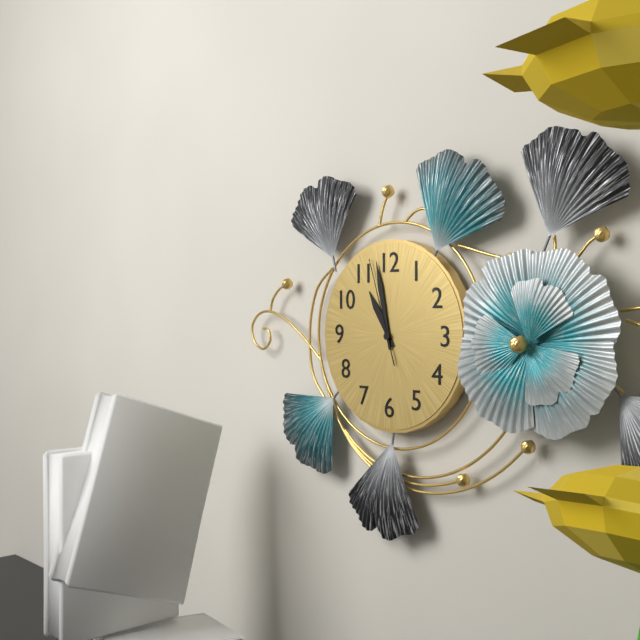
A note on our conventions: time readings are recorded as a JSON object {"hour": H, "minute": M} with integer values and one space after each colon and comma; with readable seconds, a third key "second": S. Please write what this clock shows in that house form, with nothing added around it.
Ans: {"hour": 10, "minute": 58, "second": 57}
